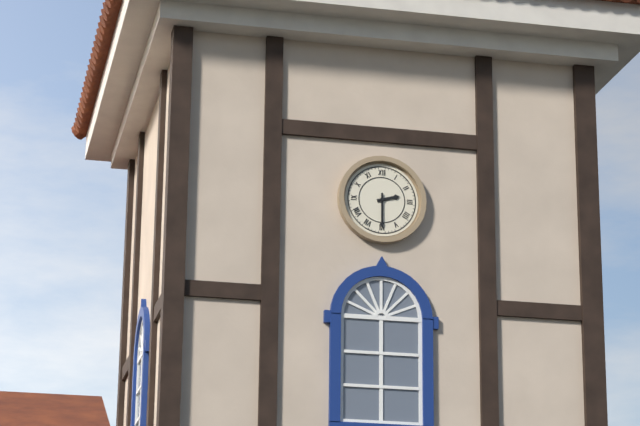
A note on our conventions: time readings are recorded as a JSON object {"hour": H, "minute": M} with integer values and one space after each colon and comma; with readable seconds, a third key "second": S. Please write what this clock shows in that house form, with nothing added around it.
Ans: {"hour": 2, "minute": 30}
